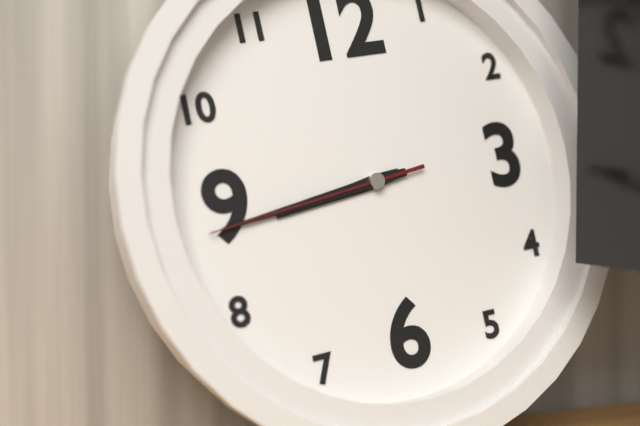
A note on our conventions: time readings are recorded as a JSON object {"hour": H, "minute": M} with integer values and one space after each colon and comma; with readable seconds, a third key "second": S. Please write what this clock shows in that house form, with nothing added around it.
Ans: {"hour": 8, "minute": 44, "second": 44}
